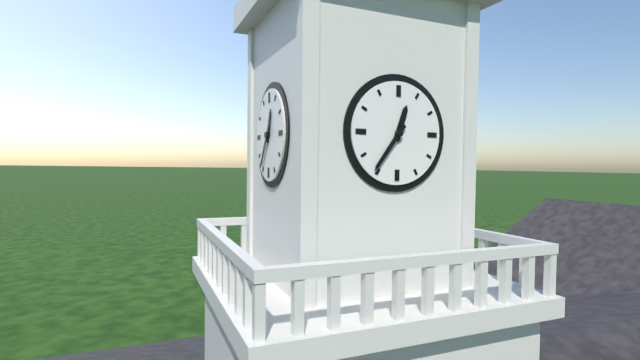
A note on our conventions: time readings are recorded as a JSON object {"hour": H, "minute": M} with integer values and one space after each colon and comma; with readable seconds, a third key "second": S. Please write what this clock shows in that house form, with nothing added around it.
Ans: {"hour": 12, "minute": 36}
